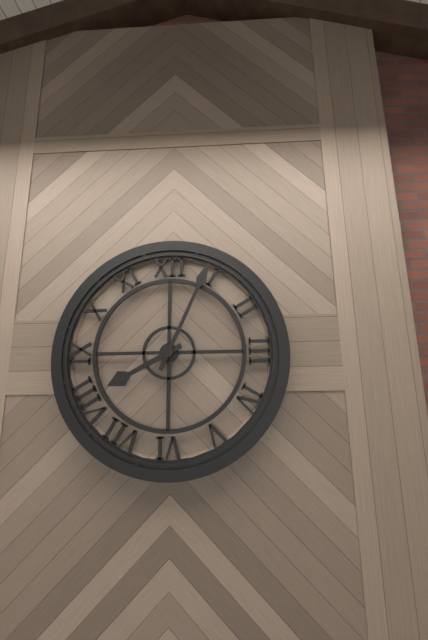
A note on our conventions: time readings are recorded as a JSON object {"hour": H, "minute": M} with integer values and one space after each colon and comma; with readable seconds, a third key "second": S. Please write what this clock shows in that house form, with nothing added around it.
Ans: {"hour": 8, "minute": 4}
